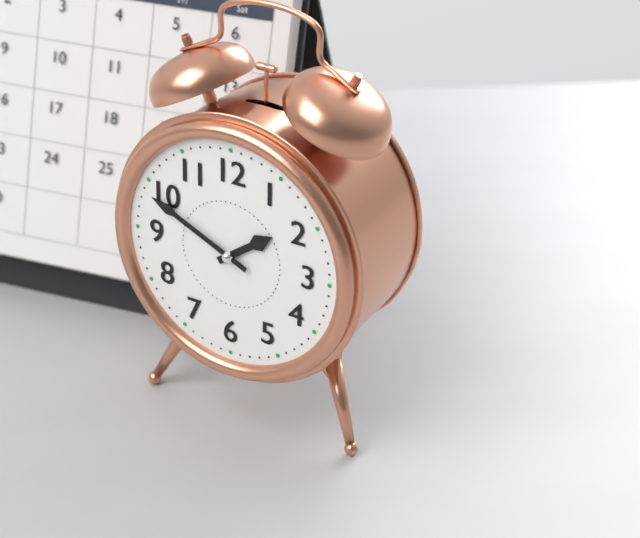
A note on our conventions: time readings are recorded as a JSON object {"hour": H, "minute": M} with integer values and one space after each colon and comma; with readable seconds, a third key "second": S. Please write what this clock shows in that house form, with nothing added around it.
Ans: {"hour": 1, "minute": 49}
